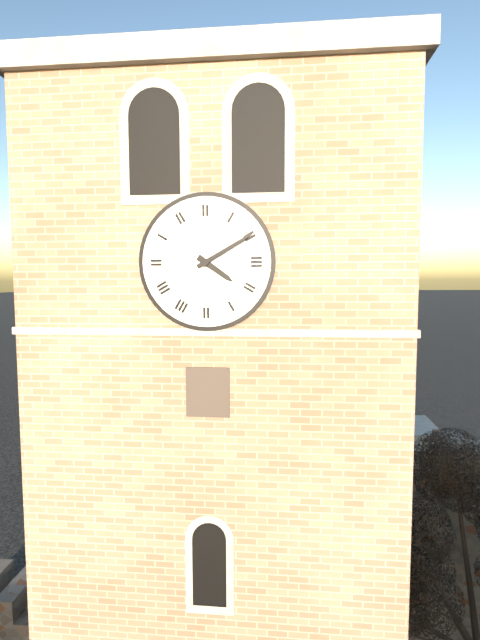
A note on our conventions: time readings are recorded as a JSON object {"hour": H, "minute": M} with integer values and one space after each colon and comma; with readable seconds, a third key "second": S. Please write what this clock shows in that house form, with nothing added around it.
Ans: {"hour": 4, "minute": 10}
